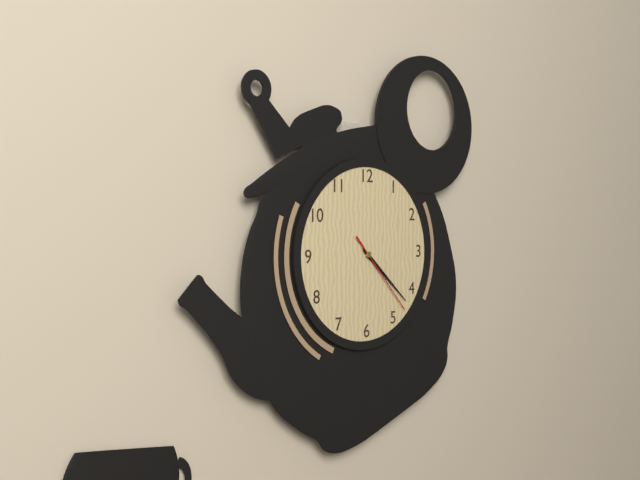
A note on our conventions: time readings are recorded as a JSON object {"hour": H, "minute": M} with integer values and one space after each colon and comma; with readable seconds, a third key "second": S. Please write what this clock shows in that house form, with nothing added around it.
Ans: {"hour": 4, "minute": 22, "second": 23}
